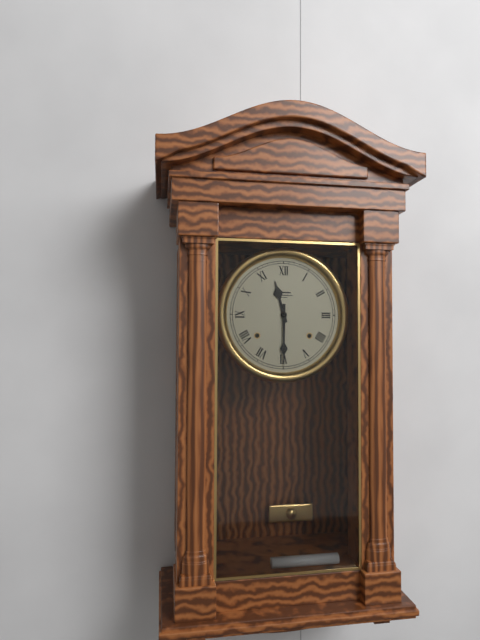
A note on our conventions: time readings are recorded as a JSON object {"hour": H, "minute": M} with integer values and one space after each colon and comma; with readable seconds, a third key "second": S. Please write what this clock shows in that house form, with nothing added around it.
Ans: {"hour": 11, "minute": 30}
